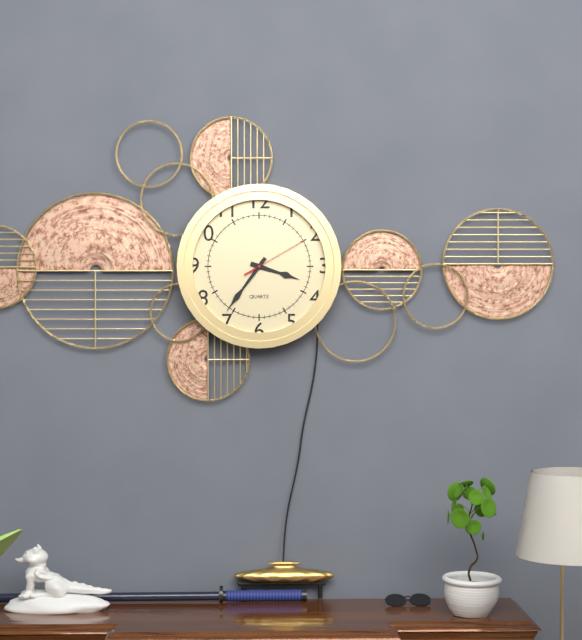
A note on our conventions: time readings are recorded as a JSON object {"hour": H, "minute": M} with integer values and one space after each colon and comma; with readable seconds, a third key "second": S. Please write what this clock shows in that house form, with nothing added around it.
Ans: {"hour": 3, "minute": 36, "second": 10}
